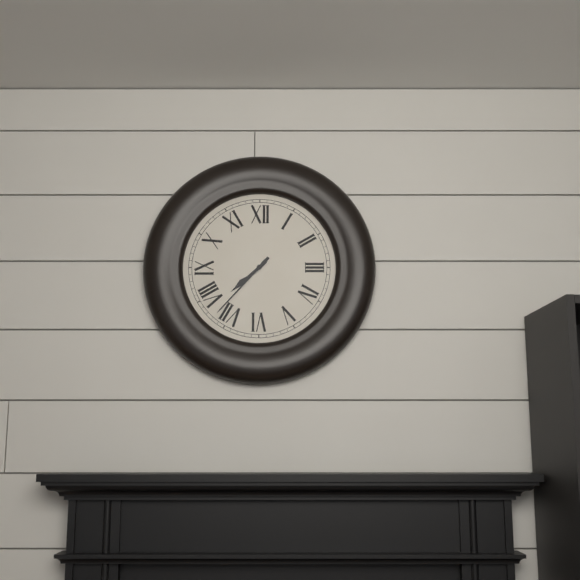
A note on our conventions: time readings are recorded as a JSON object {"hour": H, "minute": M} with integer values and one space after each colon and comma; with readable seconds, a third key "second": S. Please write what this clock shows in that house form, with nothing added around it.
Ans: {"hour": 7, "minute": 37}
